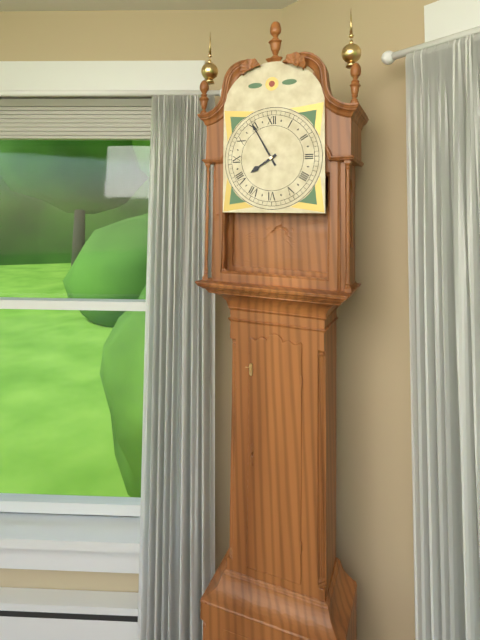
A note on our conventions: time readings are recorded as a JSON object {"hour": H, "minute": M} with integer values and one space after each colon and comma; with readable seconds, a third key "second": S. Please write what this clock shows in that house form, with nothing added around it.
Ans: {"hour": 7, "minute": 55}
